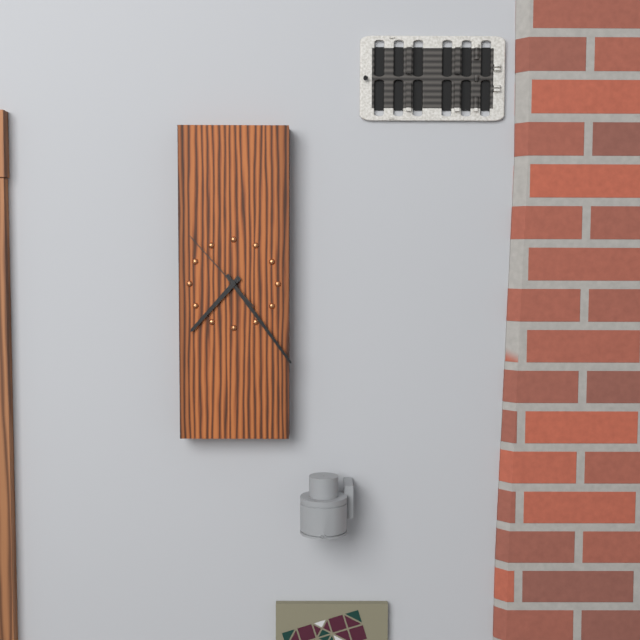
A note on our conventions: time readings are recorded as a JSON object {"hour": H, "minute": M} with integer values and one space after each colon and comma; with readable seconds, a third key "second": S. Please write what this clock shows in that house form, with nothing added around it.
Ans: {"hour": 7, "minute": 24, "second": 53}
